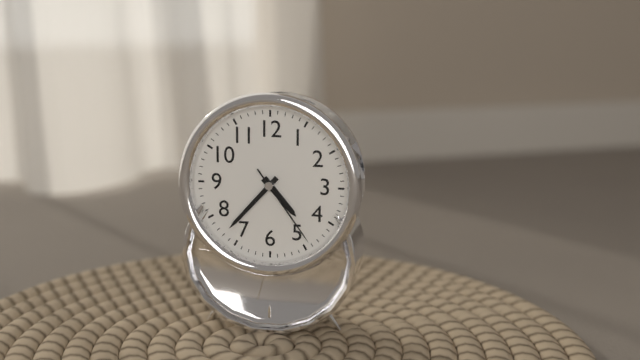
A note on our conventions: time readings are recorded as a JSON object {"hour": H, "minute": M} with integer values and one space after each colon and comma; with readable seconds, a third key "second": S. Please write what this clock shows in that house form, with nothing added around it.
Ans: {"hour": 4, "minute": 37, "second": 24}
